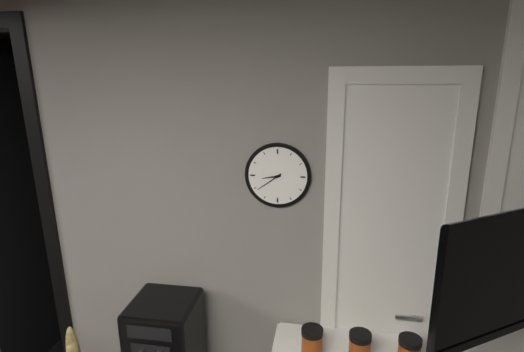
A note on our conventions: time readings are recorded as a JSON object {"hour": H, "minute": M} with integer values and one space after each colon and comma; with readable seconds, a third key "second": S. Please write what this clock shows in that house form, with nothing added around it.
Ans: {"hour": 8, "minute": 39}
